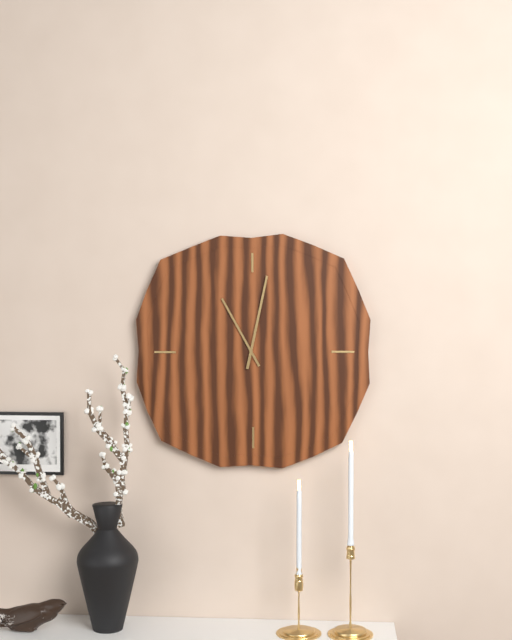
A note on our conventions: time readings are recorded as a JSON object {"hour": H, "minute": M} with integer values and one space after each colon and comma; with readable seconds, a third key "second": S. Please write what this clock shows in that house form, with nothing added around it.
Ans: {"hour": 11, "minute": 2}
